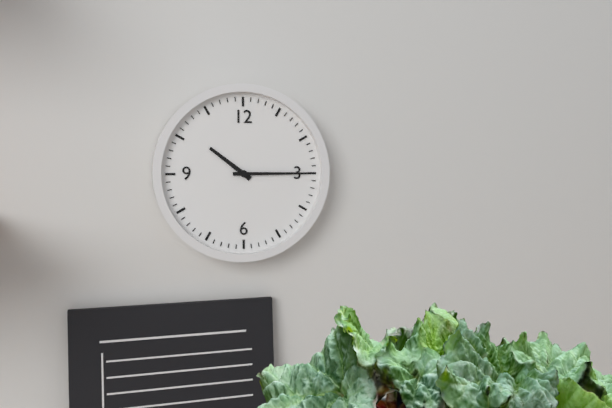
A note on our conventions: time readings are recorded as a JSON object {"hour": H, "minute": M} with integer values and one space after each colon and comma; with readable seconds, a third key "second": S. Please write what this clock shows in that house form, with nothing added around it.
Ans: {"hour": 10, "minute": 15}
